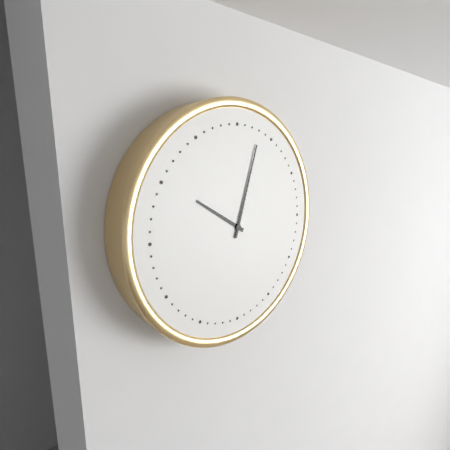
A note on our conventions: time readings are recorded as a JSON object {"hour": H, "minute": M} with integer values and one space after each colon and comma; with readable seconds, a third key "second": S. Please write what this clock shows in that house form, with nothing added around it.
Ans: {"hour": 10, "minute": 3}
